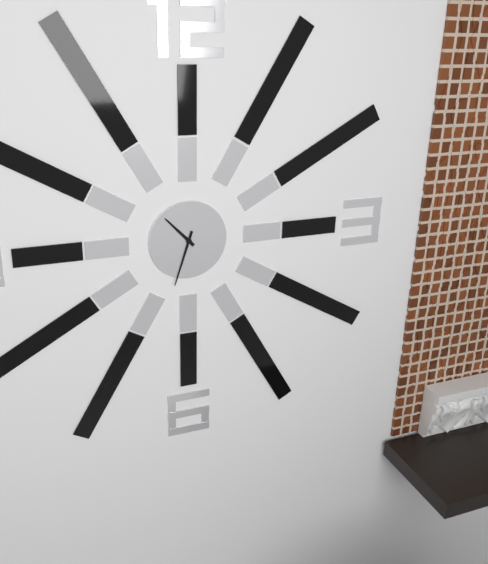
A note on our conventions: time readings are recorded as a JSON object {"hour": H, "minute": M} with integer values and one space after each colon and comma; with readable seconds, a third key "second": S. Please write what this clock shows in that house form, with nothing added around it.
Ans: {"hour": 10, "minute": 33}
